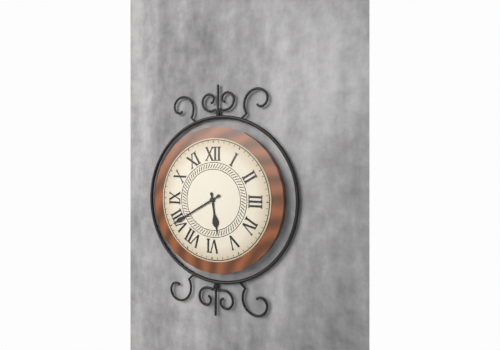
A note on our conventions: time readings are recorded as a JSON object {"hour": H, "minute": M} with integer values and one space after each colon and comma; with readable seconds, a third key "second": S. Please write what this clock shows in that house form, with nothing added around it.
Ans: {"hour": 5, "minute": 40}
